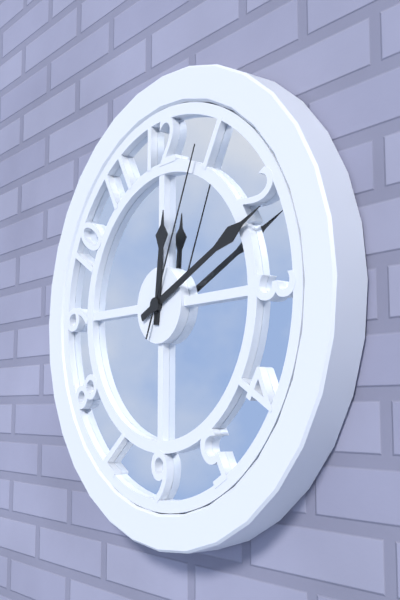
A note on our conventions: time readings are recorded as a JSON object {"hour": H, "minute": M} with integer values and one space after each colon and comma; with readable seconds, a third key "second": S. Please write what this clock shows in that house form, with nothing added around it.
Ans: {"hour": 12, "minute": 11, "second": 4}
